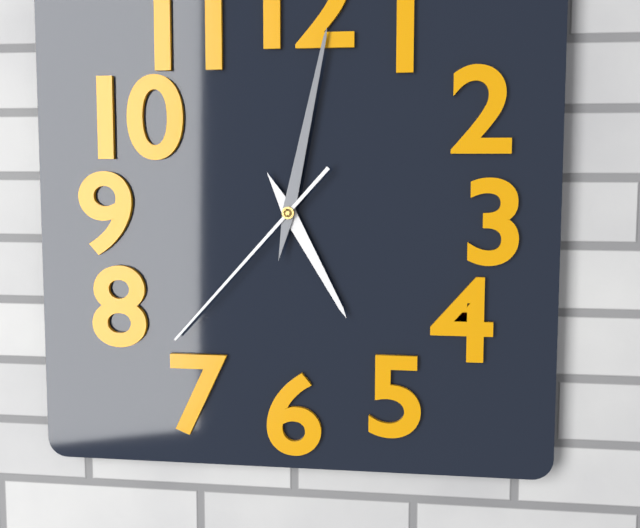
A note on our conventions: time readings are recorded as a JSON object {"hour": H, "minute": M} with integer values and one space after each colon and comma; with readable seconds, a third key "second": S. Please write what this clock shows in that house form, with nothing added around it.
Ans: {"hour": 5, "minute": 2, "second": 37}
